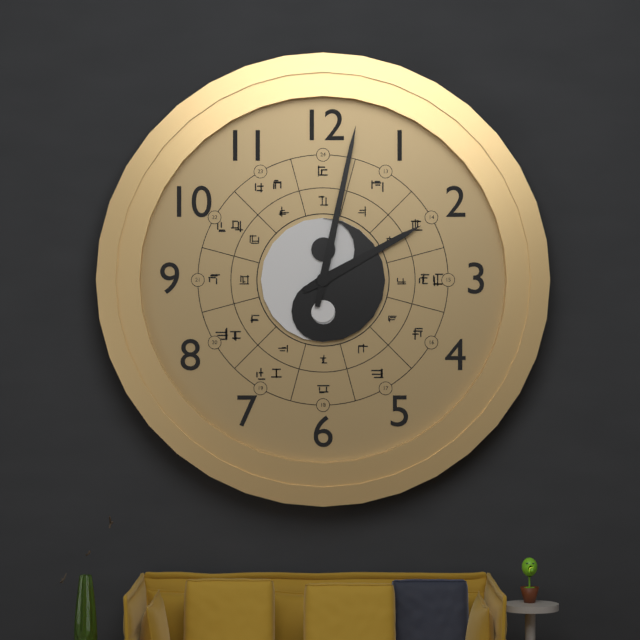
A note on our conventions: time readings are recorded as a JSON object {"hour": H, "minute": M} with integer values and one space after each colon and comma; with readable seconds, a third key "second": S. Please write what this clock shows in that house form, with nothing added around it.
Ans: {"hour": 2, "minute": 2}
